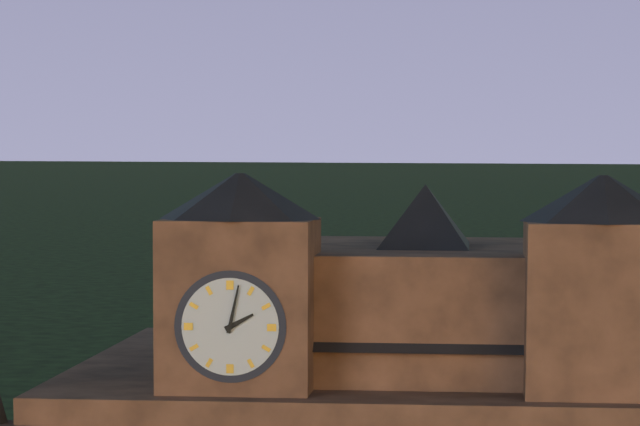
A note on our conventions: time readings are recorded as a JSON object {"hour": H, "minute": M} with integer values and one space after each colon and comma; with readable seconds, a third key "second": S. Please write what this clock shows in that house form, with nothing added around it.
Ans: {"hour": 2, "minute": 2}
